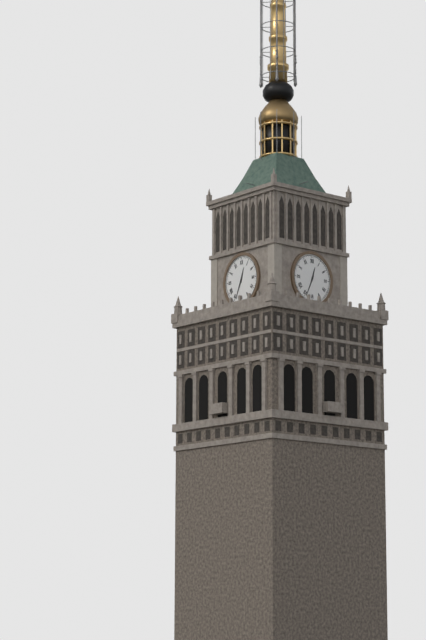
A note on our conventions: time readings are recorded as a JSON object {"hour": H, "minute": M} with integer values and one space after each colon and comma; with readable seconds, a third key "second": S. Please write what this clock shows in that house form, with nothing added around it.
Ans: {"hour": 12, "minute": 34}
